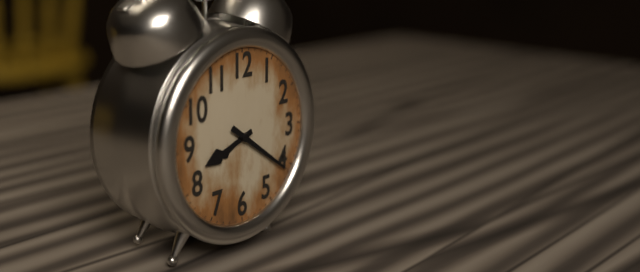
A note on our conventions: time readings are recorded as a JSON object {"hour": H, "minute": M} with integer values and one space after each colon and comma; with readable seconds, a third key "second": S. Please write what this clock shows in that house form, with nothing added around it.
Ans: {"hour": 8, "minute": 21}
